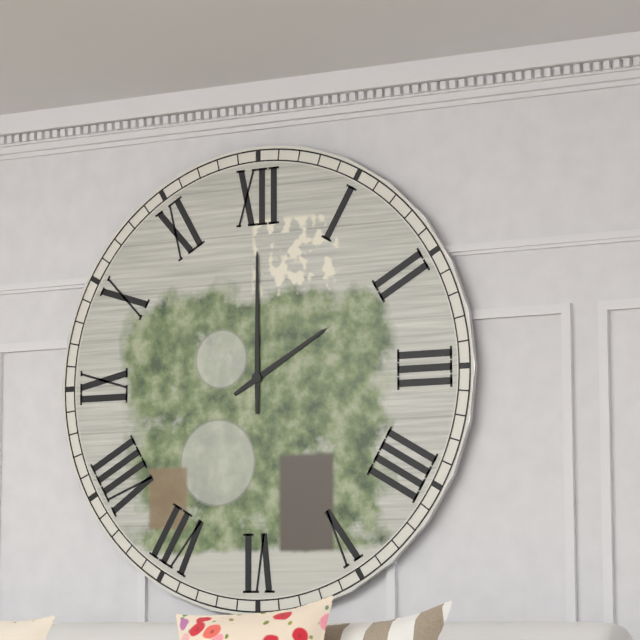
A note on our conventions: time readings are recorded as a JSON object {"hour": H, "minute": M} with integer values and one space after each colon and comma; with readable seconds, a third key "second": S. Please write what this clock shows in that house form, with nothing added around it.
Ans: {"hour": 2, "minute": 0}
